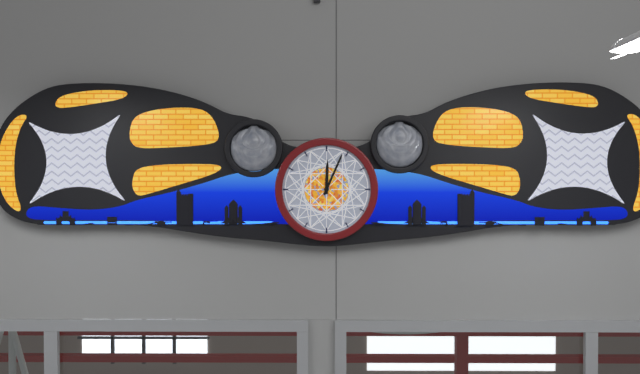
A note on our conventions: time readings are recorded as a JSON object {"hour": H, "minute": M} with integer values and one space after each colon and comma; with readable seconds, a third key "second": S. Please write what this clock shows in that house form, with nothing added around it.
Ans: {"hour": 12, "minute": 4}
